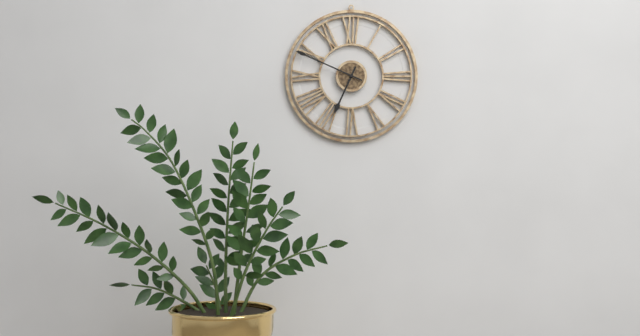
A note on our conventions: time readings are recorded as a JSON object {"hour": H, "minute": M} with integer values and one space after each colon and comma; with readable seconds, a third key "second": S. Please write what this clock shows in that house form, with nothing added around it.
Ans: {"hour": 6, "minute": 49}
